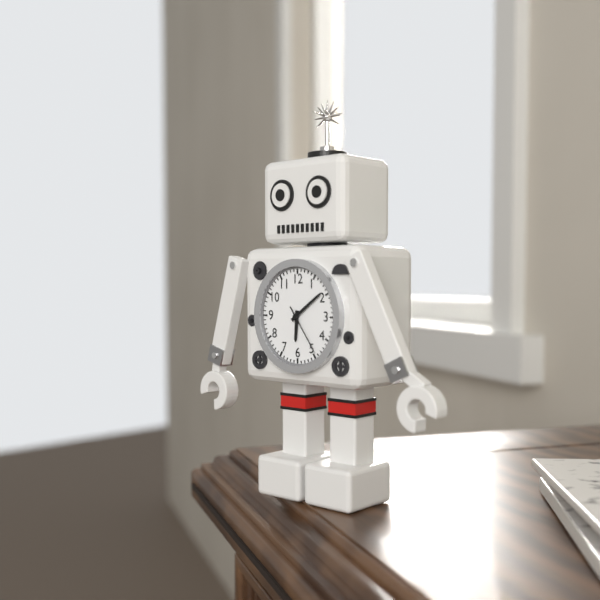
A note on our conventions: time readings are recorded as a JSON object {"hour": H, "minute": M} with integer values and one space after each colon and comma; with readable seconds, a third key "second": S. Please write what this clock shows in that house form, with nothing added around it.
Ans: {"hour": 6, "minute": 9, "second": 24}
